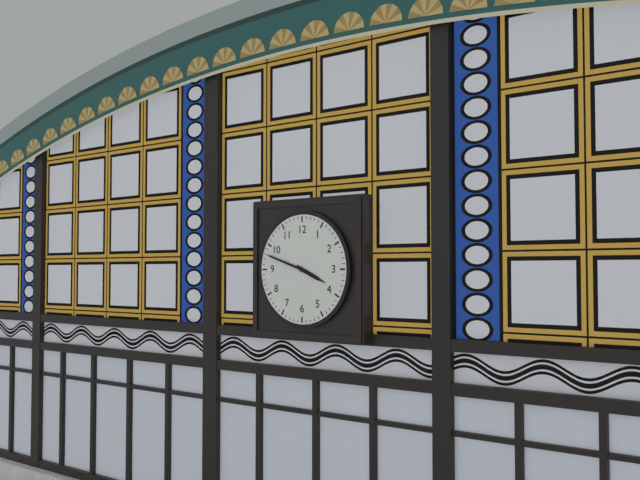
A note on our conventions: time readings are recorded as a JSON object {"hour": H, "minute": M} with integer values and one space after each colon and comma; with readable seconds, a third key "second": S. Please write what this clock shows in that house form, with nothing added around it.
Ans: {"hour": 3, "minute": 48}
